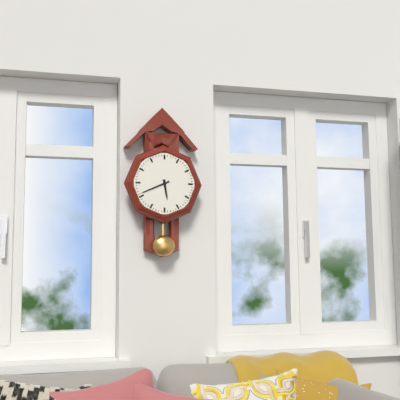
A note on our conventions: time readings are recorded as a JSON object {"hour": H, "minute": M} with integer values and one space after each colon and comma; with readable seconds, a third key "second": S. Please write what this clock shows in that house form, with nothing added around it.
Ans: {"hour": 5, "minute": 41}
